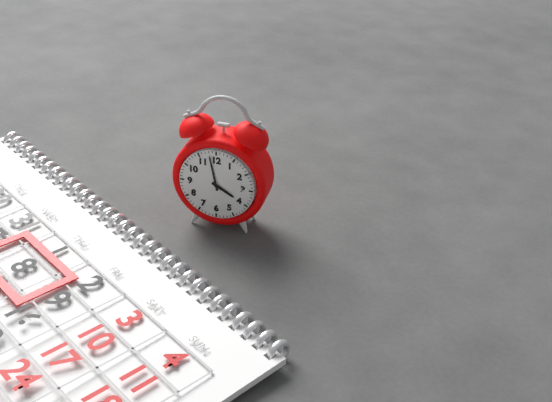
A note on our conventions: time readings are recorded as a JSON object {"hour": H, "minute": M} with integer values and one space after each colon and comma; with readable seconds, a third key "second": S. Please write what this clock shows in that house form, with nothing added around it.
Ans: {"hour": 3, "minute": 58}
